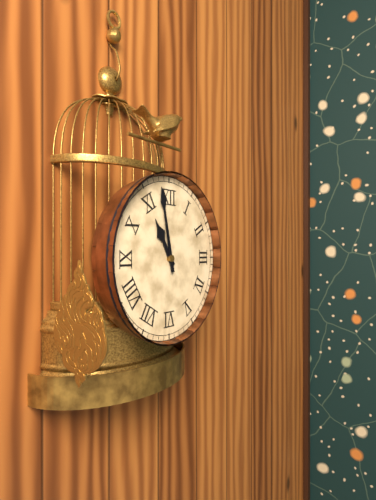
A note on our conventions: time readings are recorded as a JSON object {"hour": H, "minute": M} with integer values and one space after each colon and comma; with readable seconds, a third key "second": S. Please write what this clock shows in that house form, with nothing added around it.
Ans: {"hour": 10, "minute": 58}
